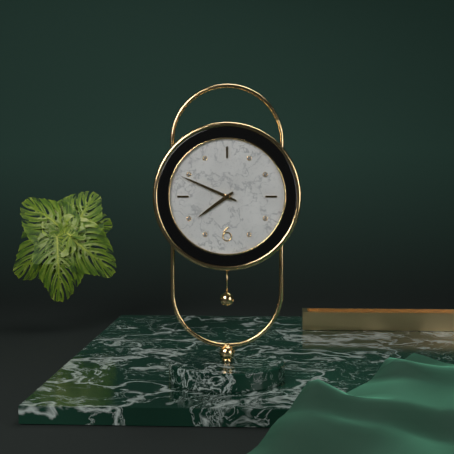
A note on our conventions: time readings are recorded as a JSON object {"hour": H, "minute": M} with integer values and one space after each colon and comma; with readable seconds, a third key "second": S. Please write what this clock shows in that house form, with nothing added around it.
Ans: {"hour": 7, "minute": 49}
